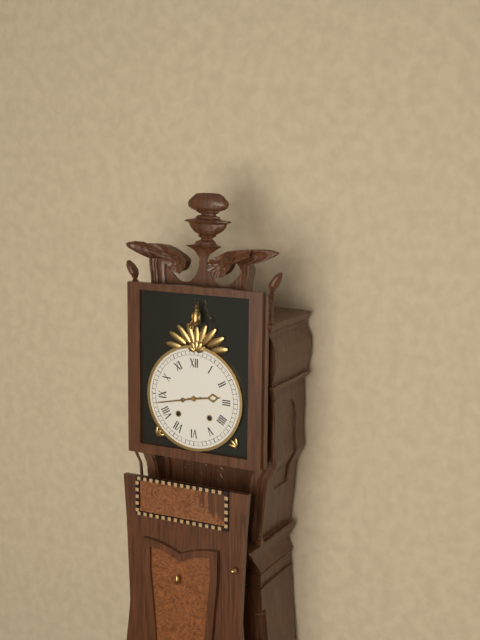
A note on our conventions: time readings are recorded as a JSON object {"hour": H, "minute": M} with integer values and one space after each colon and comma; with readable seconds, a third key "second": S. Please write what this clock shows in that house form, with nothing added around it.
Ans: {"hour": 2, "minute": 43}
